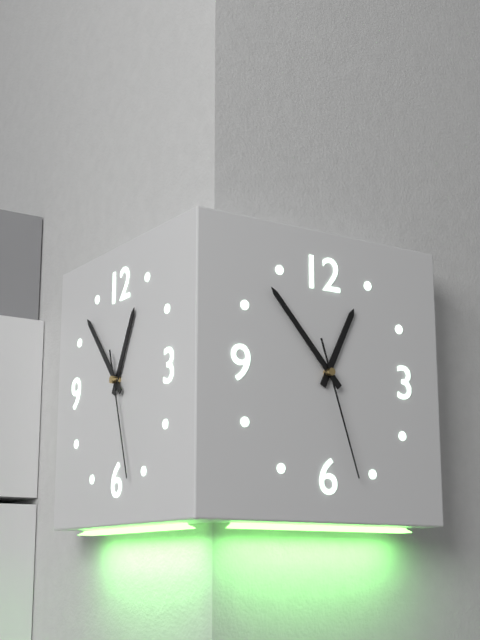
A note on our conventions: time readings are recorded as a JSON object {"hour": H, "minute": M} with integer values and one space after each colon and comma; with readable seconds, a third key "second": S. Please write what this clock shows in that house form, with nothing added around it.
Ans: {"hour": 12, "minute": 53, "second": 27}
